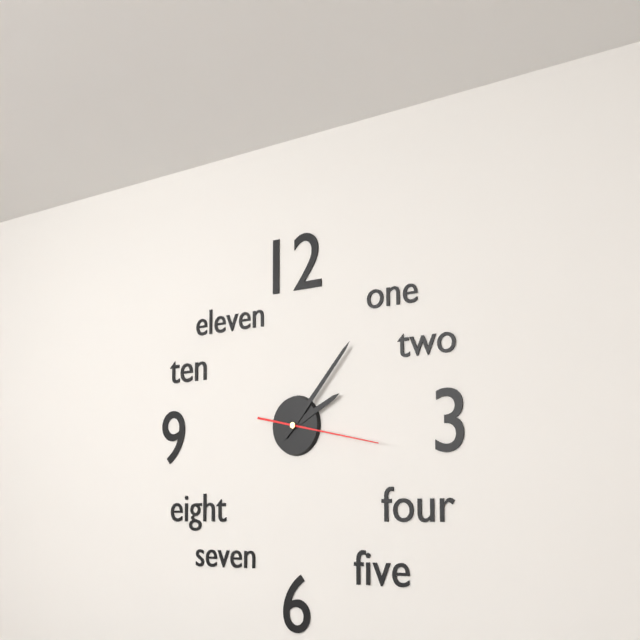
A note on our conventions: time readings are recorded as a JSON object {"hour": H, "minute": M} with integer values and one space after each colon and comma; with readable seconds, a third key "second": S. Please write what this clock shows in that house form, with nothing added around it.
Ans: {"hour": 2, "minute": 7, "second": 17}
